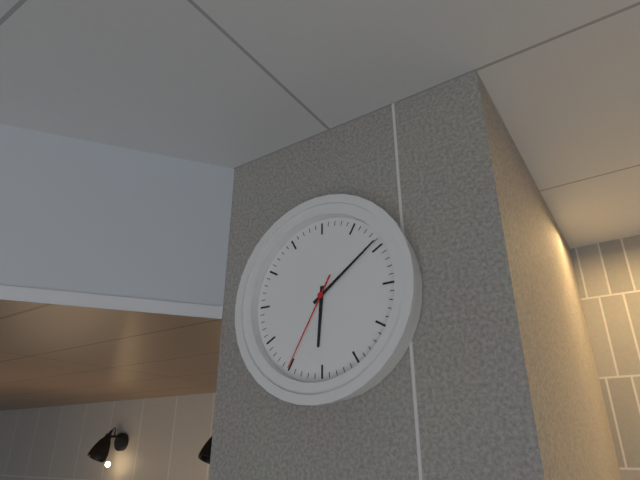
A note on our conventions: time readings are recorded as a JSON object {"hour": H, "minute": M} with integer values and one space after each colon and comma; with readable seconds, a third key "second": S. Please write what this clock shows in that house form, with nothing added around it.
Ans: {"hour": 6, "minute": 9, "second": 35}
